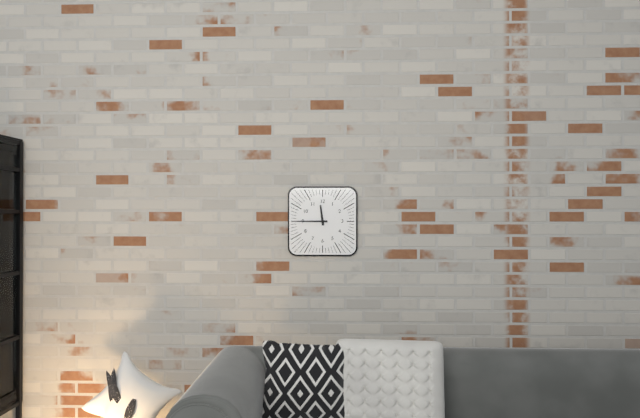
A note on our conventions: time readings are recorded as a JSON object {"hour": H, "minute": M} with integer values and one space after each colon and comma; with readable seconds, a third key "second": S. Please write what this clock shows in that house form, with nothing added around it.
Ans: {"hour": 11, "minute": 45}
